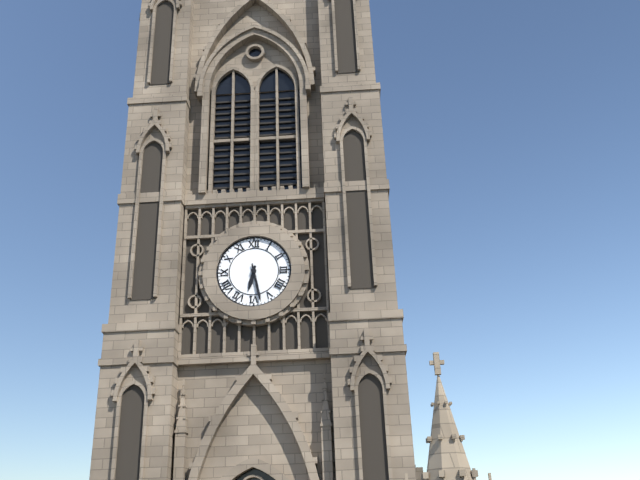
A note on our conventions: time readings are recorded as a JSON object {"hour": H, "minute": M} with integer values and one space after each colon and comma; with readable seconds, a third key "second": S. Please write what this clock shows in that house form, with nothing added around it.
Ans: {"hour": 6, "minute": 28}
